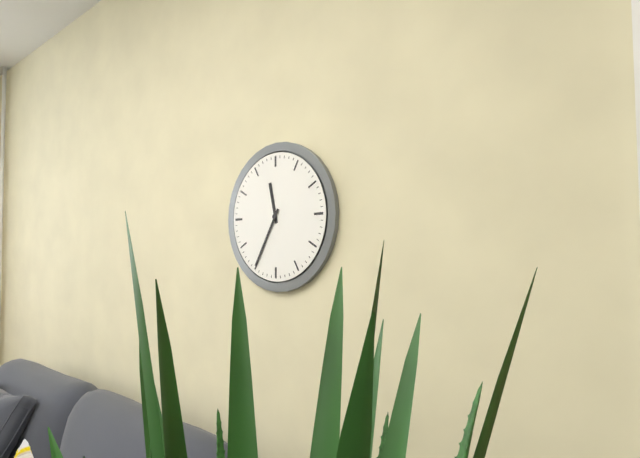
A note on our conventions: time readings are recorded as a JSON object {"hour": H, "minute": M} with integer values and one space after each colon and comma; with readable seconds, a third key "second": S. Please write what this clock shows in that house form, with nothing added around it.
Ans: {"hour": 11, "minute": 35}
